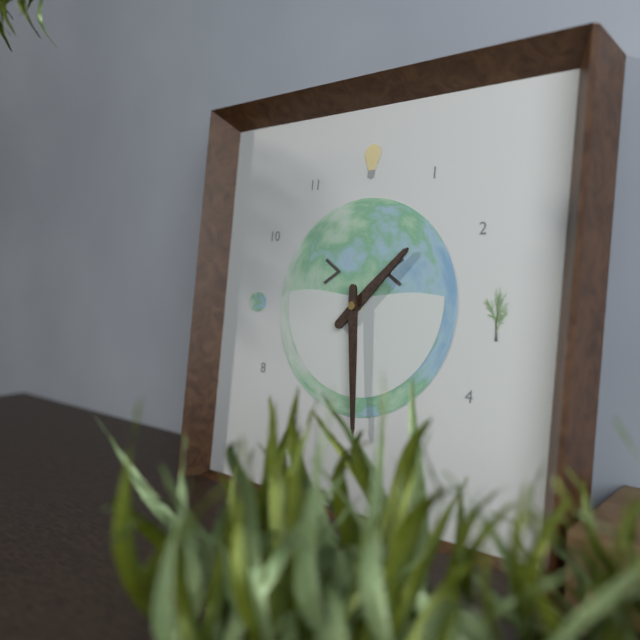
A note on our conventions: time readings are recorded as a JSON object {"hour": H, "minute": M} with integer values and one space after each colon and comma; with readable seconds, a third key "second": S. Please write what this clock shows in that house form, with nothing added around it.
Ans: {"hour": 1, "minute": 29}
